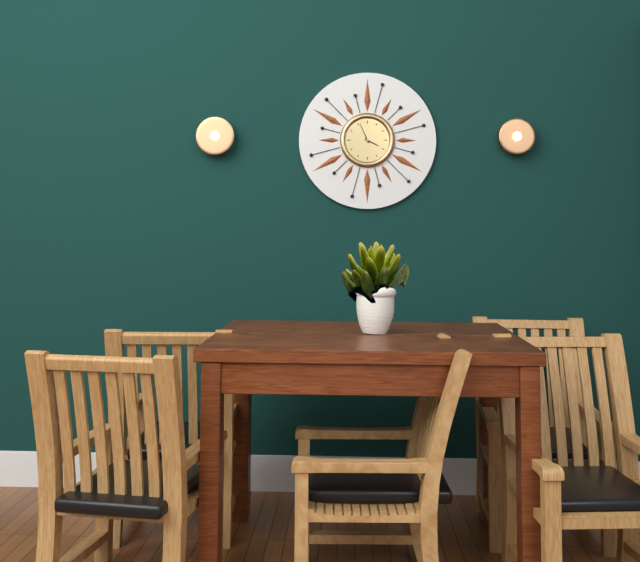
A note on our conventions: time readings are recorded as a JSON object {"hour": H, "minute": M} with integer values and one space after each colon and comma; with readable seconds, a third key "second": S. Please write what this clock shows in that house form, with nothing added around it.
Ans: {"hour": 3, "minute": 56}
